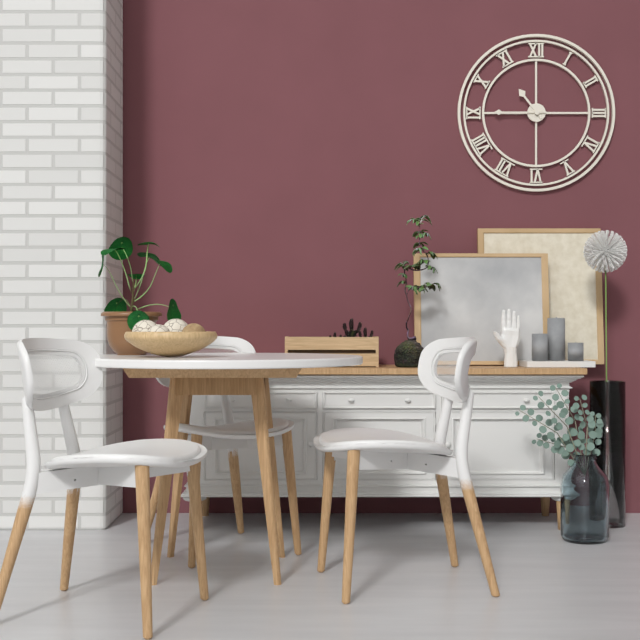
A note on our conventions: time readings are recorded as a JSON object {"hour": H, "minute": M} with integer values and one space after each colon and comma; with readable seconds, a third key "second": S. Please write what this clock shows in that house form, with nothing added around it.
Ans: {"hour": 10, "minute": 45}
